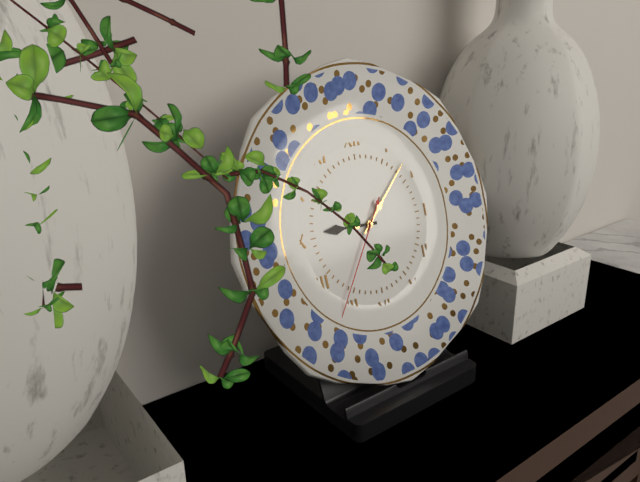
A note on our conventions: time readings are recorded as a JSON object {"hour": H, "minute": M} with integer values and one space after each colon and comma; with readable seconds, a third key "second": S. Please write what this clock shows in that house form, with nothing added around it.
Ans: {"hour": 9, "minute": 8, "second": 36}
